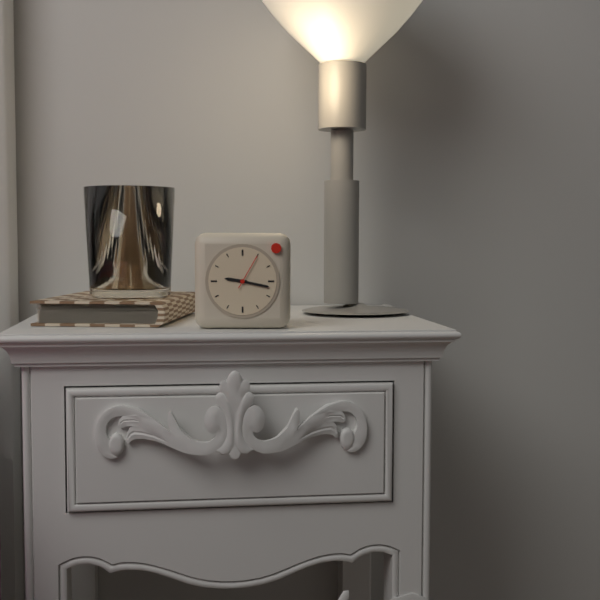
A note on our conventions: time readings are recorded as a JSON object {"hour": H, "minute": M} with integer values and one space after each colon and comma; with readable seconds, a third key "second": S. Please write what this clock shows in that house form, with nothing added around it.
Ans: {"hour": 9, "minute": 17}
